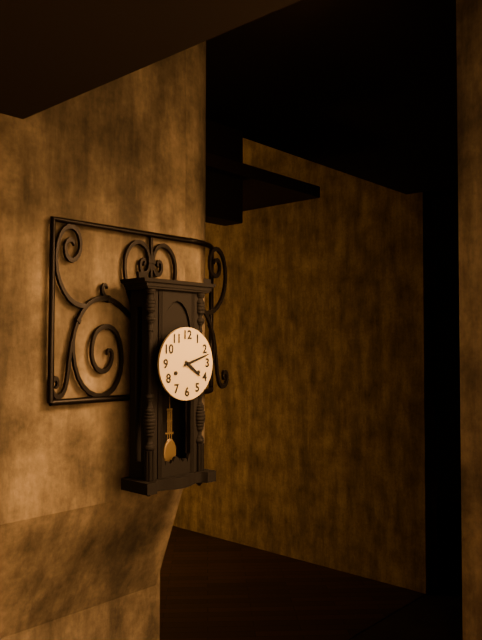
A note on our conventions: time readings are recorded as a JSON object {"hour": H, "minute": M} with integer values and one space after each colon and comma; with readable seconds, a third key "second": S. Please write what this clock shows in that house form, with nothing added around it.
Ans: {"hour": 4, "minute": 12}
